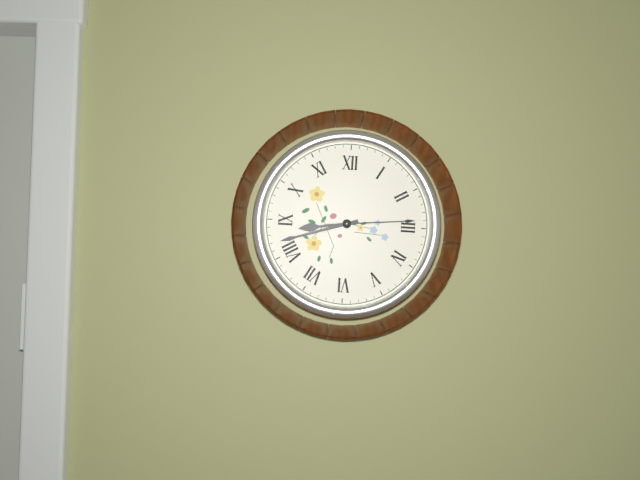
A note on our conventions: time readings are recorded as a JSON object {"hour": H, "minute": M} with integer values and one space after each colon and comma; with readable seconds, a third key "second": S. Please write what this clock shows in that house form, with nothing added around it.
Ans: {"hour": 8, "minute": 42, "second": 14}
